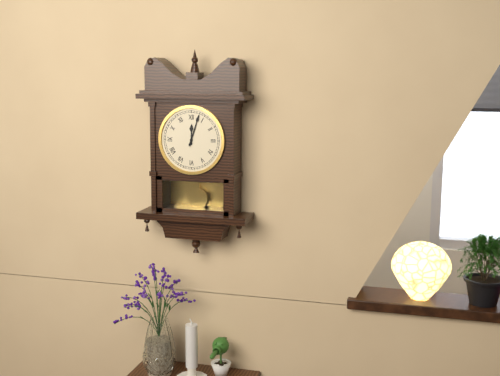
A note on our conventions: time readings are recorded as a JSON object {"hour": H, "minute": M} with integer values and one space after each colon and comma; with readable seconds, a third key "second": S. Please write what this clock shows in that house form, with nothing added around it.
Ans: {"hour": 12, "minute": 3}
